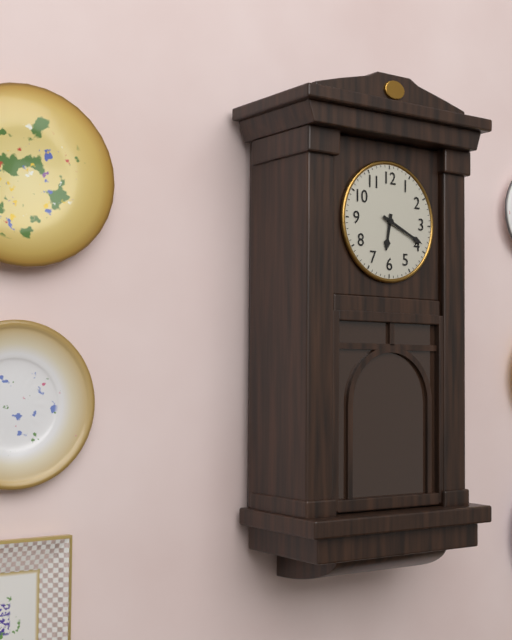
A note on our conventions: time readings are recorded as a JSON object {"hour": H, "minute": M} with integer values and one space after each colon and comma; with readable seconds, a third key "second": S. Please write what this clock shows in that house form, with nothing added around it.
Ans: {"hour": 6, "minute": 19}
